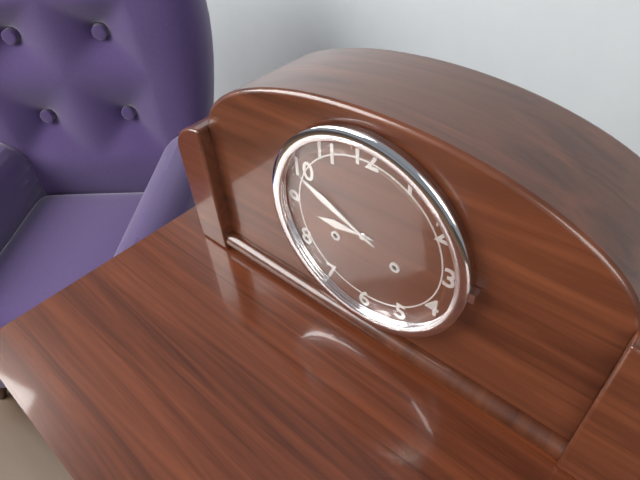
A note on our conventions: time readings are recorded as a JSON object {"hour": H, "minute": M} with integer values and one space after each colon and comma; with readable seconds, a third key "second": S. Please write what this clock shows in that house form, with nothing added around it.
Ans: {"hour": 8, "minute": 49}
